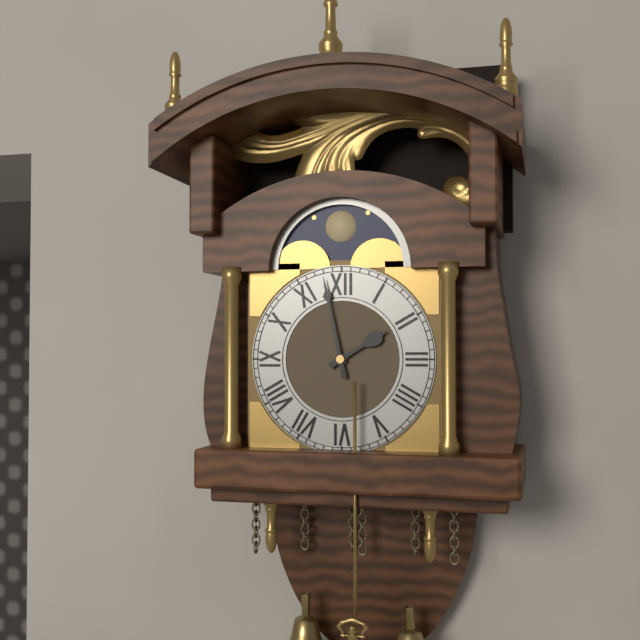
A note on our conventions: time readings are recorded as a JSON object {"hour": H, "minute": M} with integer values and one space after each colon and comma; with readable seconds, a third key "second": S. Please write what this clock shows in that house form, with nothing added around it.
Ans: {"hour": 1, "minute": 58}
